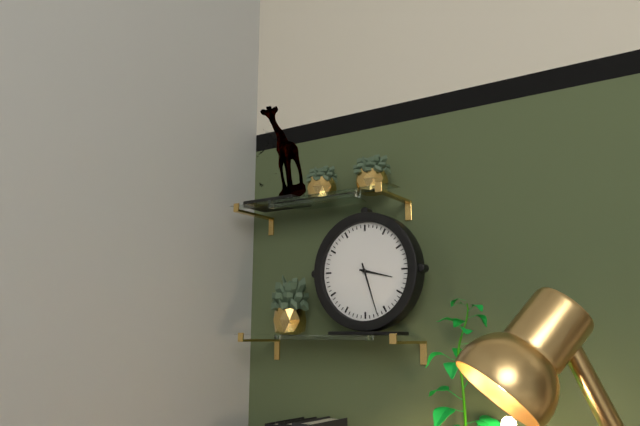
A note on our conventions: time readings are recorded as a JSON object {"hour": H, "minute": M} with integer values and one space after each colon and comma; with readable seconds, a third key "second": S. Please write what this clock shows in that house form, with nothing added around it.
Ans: {"hour": 3, "minute": 27}
